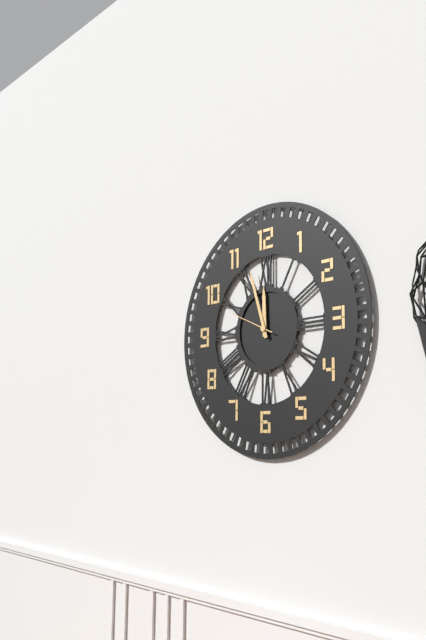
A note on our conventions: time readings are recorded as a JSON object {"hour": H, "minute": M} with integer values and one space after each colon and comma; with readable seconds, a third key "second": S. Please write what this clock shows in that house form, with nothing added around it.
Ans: {"hour": 11, "minute": 57}
